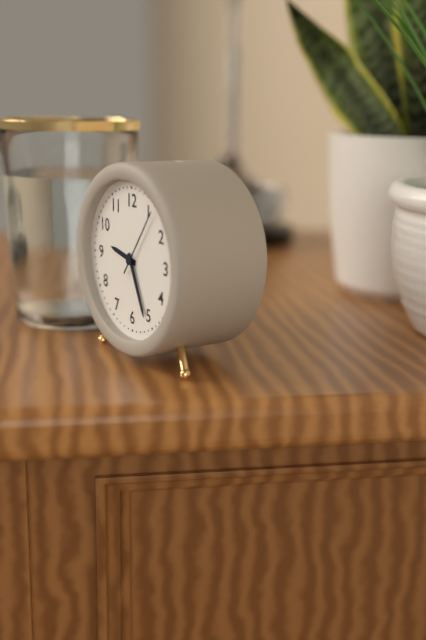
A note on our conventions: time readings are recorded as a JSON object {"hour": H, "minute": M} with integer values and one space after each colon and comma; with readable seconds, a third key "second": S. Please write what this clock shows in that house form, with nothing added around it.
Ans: {"hour": 9, "minute": 26, "second": 6}
